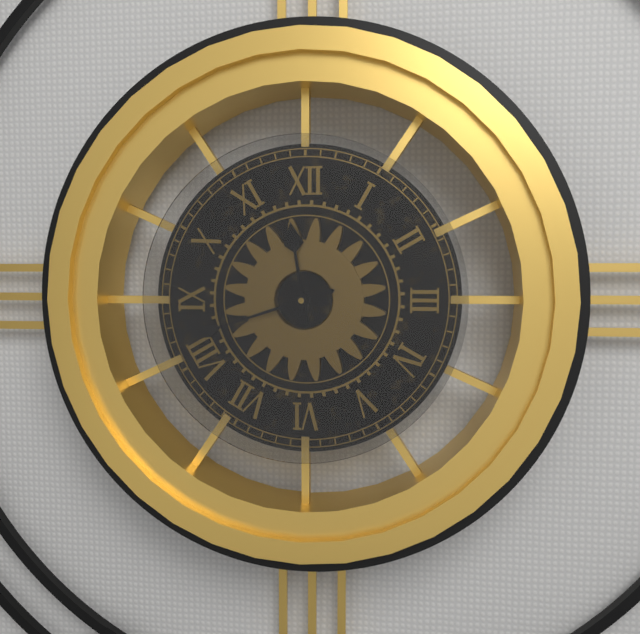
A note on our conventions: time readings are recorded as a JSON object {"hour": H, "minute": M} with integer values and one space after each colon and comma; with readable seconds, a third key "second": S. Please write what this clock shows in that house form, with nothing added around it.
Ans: {"hour": 11, "minute": 42}
